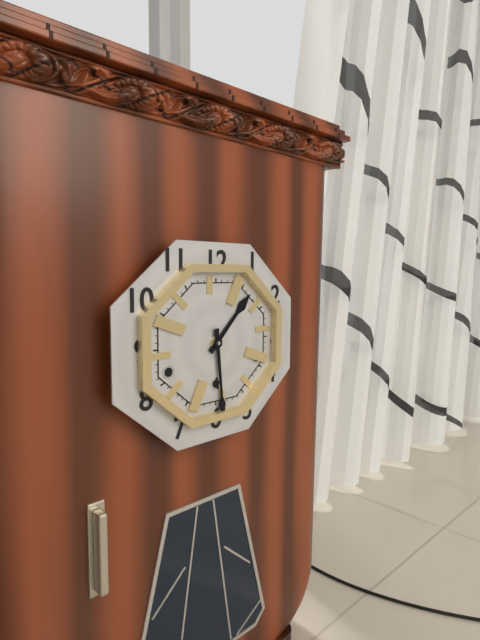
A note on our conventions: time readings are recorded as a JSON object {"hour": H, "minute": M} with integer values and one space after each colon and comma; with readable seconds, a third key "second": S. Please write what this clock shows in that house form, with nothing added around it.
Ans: {"hour": 1, "minute": 29}
